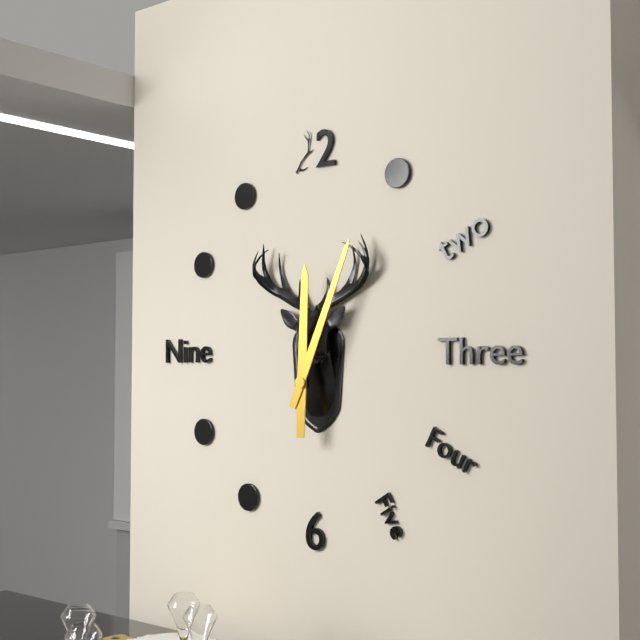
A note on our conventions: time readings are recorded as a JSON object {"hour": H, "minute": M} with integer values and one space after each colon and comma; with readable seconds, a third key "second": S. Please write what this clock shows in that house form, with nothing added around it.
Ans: {"hour": 12, "minute": 4}
